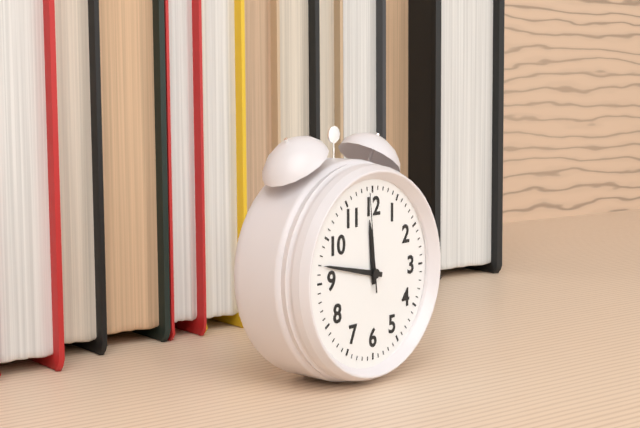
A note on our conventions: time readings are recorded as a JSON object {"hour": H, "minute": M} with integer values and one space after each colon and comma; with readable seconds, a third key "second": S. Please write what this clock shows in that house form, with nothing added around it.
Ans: {"hour": 11, "minute": 47, "second": 59}
